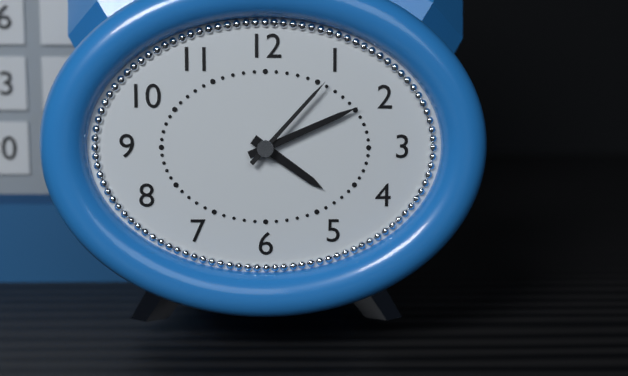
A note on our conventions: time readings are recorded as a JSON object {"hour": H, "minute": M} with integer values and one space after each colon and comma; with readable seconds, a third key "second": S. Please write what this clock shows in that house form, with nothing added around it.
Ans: {"hour": 4, "minute": 11, "second": 7}
